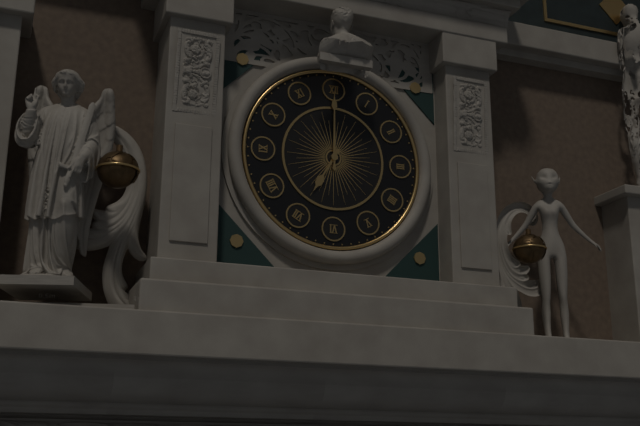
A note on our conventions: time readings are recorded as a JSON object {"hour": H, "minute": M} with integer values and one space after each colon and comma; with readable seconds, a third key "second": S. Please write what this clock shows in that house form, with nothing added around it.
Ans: {"hour": 7, "minute": 0}
